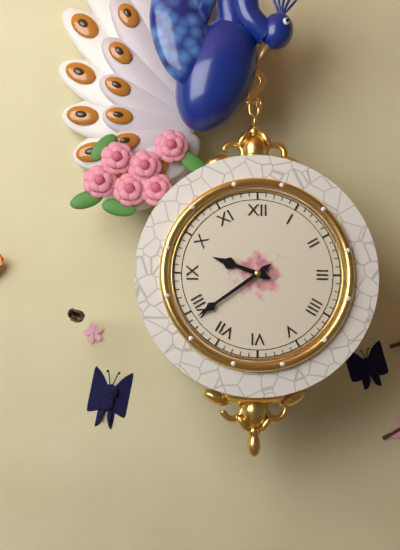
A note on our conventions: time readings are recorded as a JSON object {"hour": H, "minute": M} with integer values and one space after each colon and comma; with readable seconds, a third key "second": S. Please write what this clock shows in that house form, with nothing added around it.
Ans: {"hour": 9, "minute": 39}
